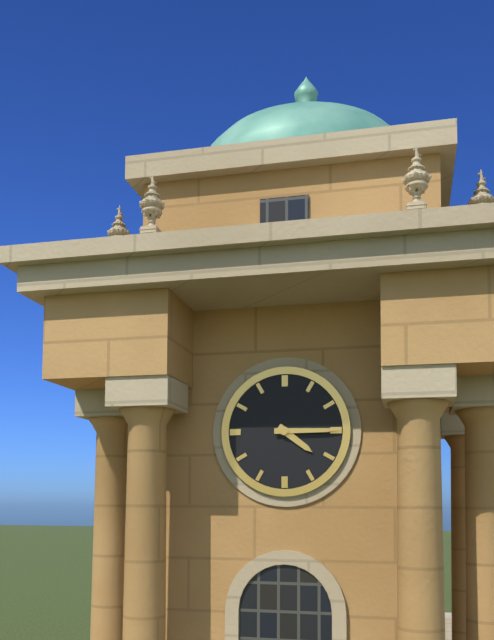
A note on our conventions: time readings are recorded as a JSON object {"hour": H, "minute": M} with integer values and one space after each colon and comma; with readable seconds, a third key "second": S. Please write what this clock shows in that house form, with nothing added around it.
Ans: {"hour": 4, "minute": 15}
